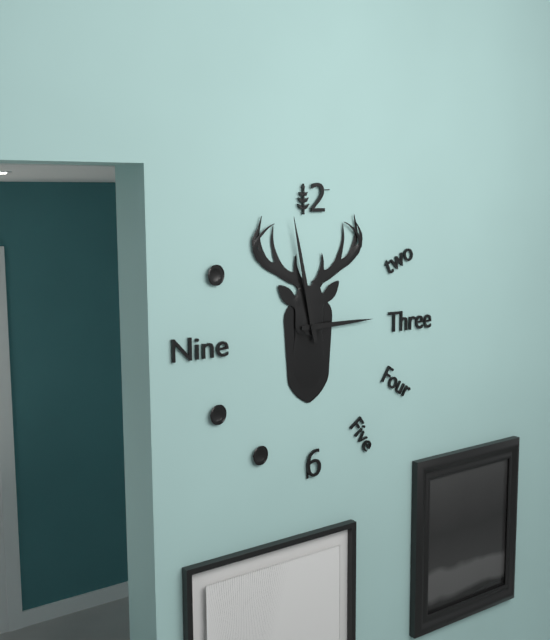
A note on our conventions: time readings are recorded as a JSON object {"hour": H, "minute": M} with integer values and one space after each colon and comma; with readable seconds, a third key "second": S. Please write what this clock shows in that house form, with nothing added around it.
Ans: {"hour": 2, "minute": 58}
